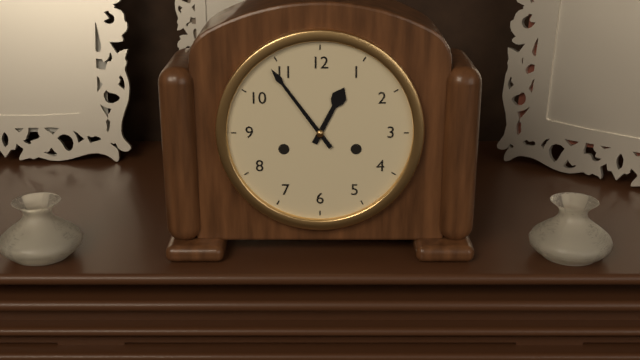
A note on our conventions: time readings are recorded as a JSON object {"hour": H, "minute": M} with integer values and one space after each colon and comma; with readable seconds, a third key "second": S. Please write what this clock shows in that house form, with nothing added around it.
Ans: {"hour": 12, "minute": 54}
